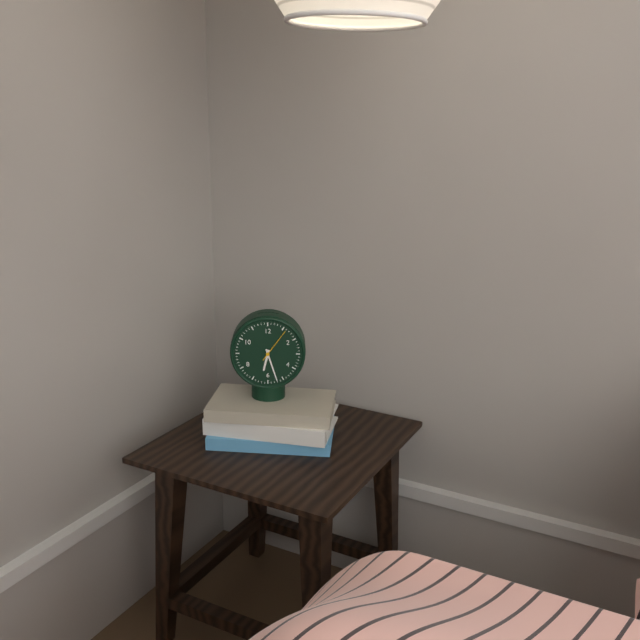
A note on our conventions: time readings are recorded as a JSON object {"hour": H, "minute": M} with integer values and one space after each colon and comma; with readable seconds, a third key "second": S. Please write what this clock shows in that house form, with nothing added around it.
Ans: {"hour": 6, "minute": 27}
